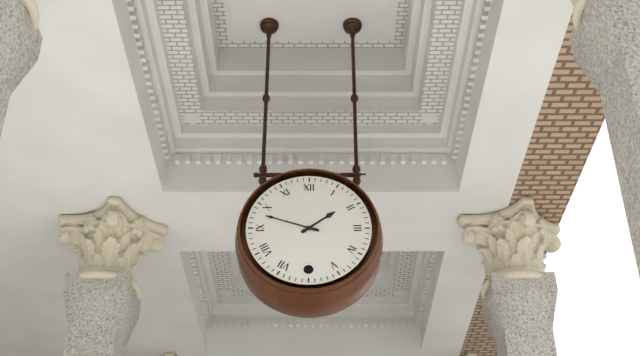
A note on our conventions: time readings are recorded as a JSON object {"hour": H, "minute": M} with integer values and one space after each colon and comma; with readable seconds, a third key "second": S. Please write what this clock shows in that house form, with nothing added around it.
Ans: {"hour": 1, "minute": 48}
